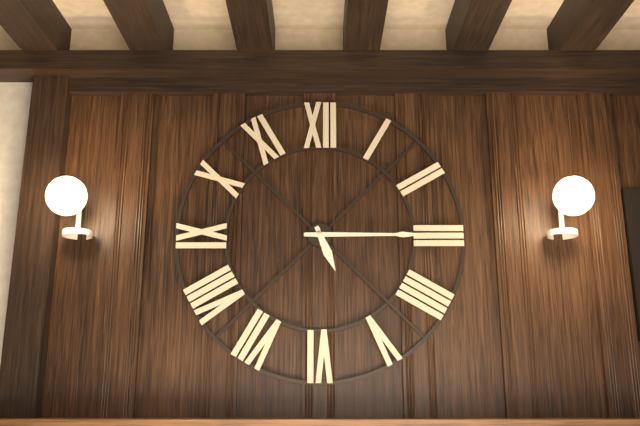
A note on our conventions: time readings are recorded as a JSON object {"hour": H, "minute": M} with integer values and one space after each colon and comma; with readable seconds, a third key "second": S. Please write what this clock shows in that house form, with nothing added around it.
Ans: {"hour": 5, "minute": 15}
